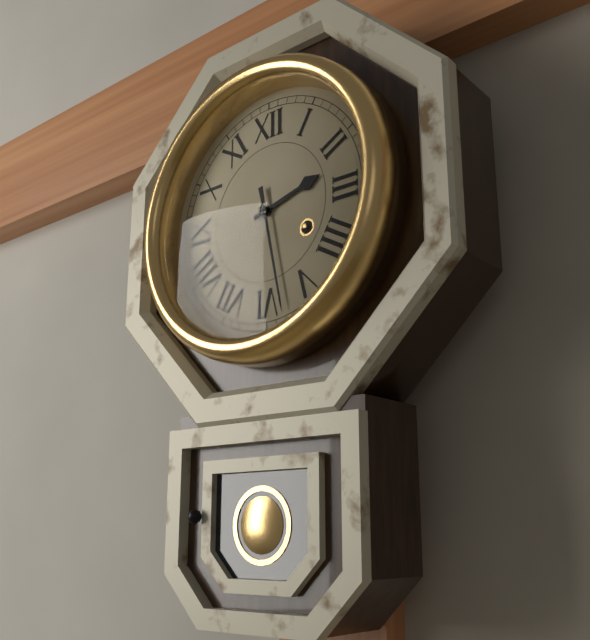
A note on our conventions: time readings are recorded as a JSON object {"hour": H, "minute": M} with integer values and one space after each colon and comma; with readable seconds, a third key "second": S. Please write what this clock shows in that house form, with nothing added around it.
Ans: {"hour": 2, "minute": 28}
